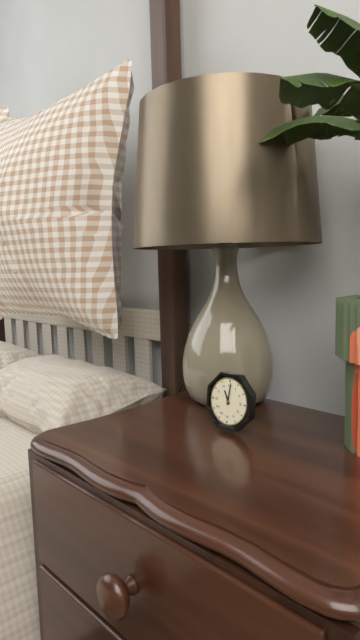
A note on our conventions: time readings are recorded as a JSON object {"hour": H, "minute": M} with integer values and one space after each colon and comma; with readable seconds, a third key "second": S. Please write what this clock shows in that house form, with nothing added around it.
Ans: {"hour": 11, "minute": 1}
